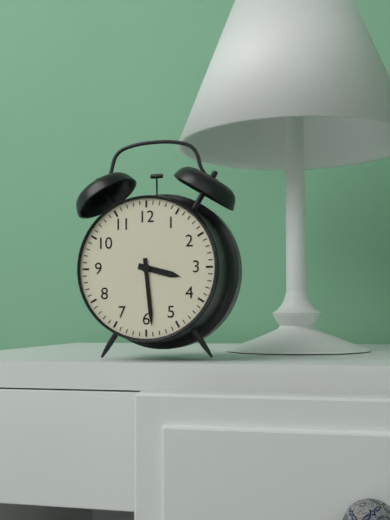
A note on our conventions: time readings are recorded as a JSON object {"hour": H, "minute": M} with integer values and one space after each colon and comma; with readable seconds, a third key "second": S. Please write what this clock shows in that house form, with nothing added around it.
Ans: {"hour": 3, "minute": 29}
